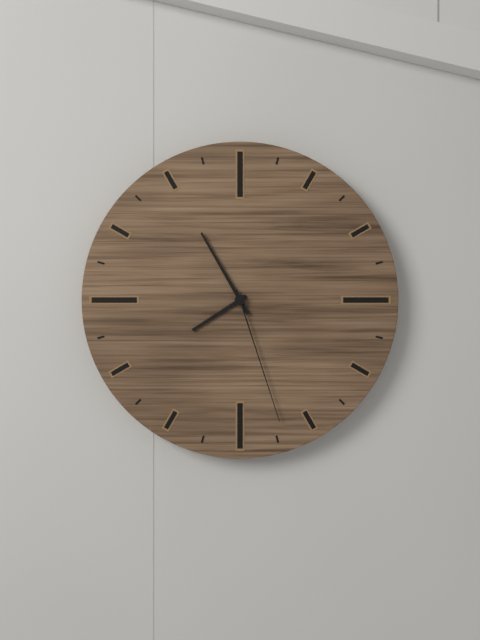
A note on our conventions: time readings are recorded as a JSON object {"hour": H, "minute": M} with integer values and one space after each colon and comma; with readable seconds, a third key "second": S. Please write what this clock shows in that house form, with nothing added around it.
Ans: {"hour": 7, "minute": 55, "second": 27}
